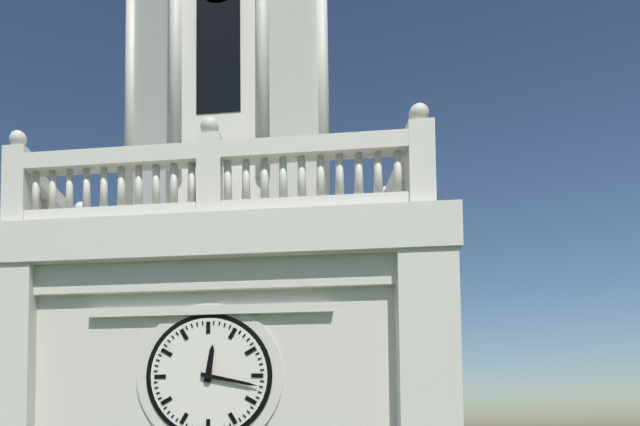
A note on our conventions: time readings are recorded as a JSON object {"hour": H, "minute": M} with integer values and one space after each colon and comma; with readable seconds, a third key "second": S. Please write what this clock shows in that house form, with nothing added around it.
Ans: {"hour": 12, "minute": 17}
